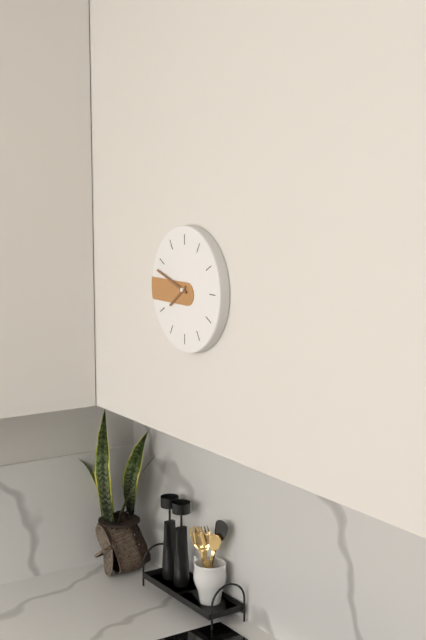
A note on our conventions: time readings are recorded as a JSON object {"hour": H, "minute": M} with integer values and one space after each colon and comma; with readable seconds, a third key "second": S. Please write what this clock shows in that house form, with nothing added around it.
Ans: {"hour": 7, "minute": 48}
